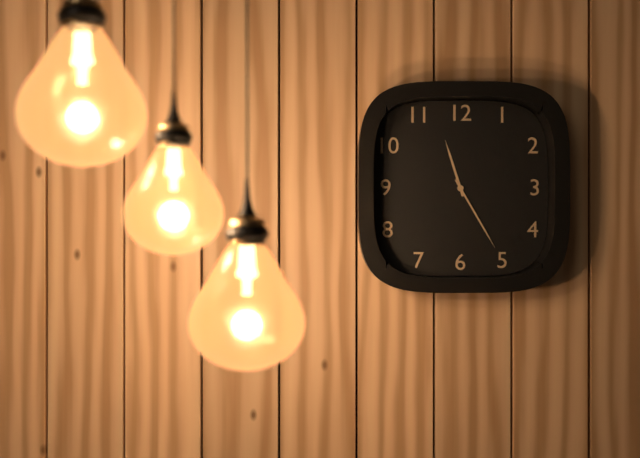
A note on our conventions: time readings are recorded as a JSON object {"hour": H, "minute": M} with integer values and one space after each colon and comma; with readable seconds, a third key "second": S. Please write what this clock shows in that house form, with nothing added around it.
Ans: {"hour": 11, "minute": 25}
